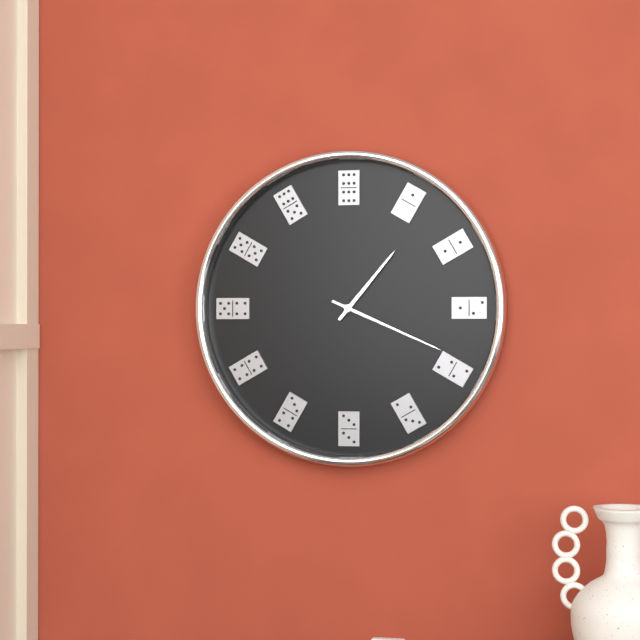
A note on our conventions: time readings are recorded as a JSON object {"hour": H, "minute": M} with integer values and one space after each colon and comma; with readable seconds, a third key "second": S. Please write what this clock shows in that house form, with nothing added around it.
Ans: {"hour": 1, "minute": 19}
